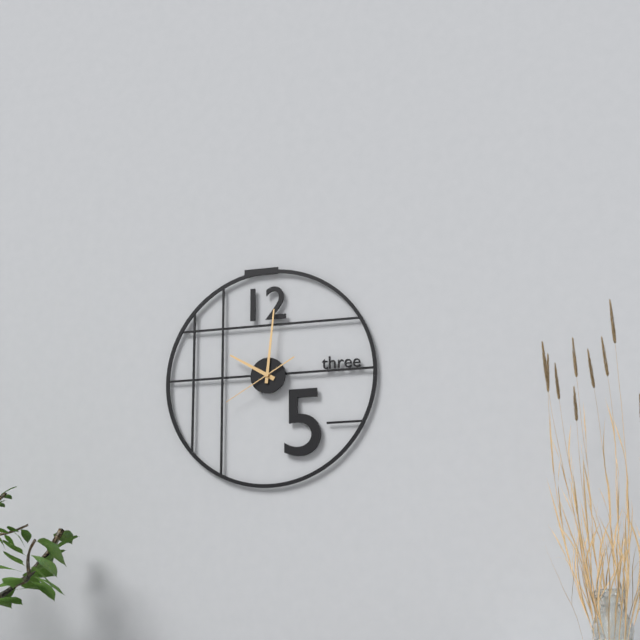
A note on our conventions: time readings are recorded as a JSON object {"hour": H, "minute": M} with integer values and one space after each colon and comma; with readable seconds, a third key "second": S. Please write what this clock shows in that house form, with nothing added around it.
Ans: {"hour": 10, "minute": 1, "second": 40}
